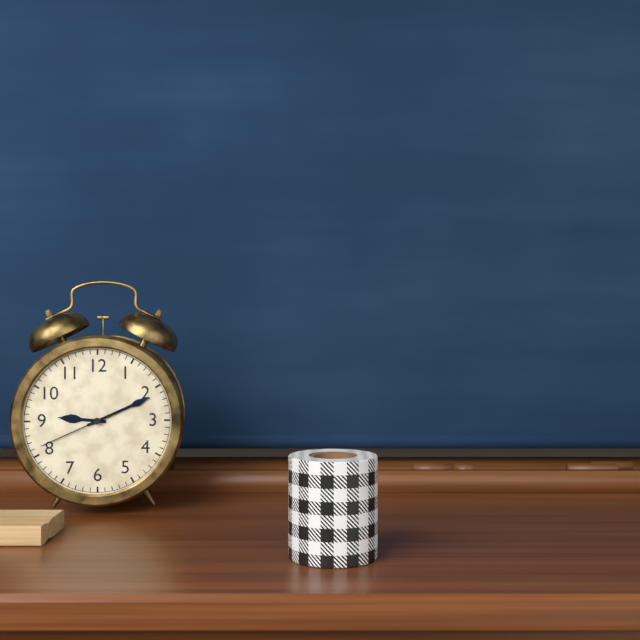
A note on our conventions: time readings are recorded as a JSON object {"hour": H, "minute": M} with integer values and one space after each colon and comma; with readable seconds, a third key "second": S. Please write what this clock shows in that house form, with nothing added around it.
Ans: {"hour": 9, "minute": 11, "second": 41}
